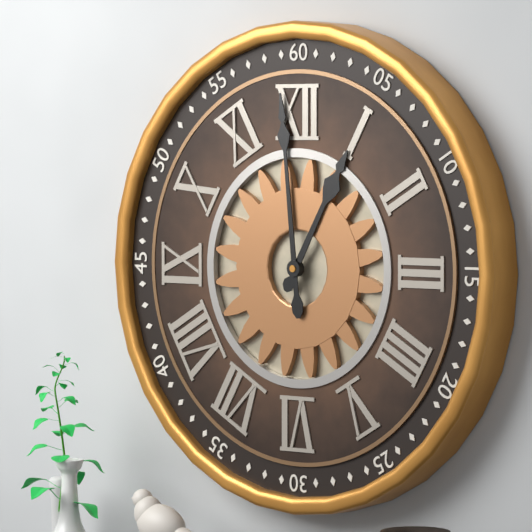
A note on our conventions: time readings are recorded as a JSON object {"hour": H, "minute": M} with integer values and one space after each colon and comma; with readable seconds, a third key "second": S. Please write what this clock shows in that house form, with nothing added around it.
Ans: {"hour": 12, "minute": 59}
